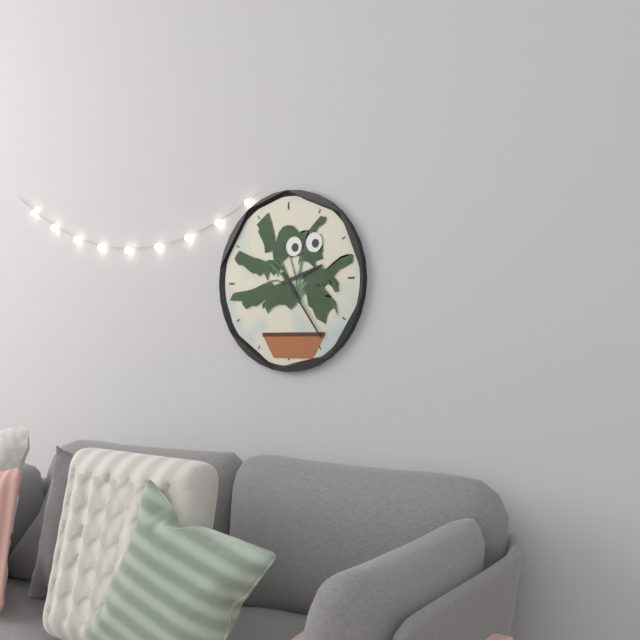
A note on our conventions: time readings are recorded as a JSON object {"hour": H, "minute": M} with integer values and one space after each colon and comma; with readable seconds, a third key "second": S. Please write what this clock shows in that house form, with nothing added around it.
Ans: {"hour": 2, "minute": 24}
